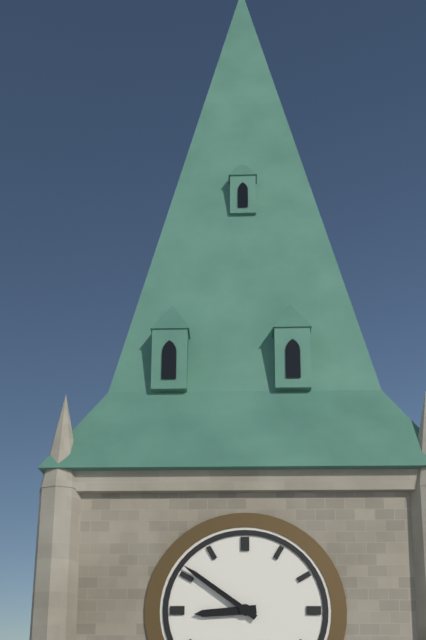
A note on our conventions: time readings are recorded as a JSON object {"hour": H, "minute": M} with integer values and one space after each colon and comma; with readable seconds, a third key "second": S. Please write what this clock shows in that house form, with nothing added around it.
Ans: {"hour": 8, "minute": 51}
